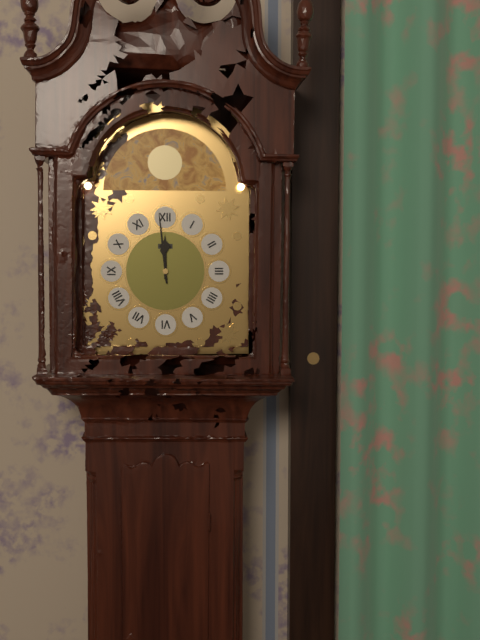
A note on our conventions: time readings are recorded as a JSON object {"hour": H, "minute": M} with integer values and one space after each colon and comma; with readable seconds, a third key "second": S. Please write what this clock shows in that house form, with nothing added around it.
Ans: {"hour": 11, "minute": 59}
